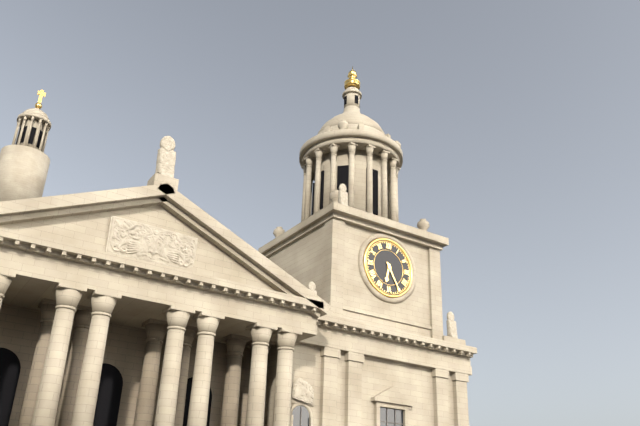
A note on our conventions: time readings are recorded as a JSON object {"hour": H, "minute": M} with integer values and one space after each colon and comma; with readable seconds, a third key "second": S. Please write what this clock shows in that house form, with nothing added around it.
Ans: {"hour": 6, "minute": 25}
